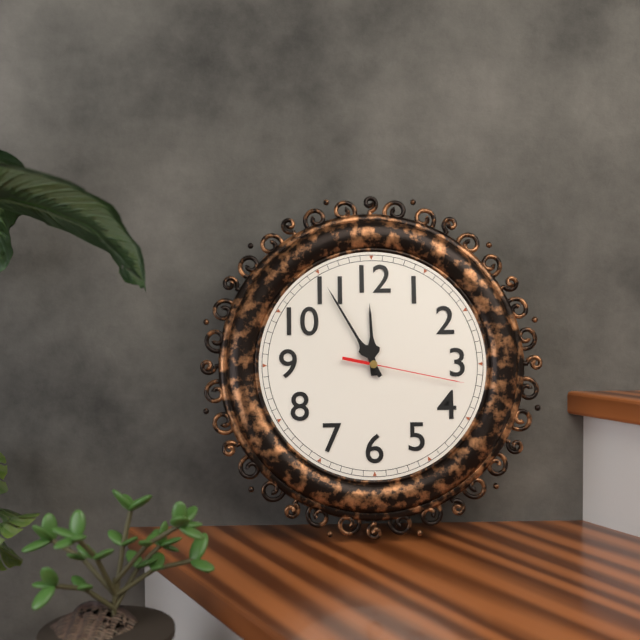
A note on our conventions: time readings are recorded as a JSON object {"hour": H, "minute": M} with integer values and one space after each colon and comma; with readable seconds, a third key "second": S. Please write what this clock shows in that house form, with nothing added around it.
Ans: {"hour": 11, "minute": 55, "second": 17}
